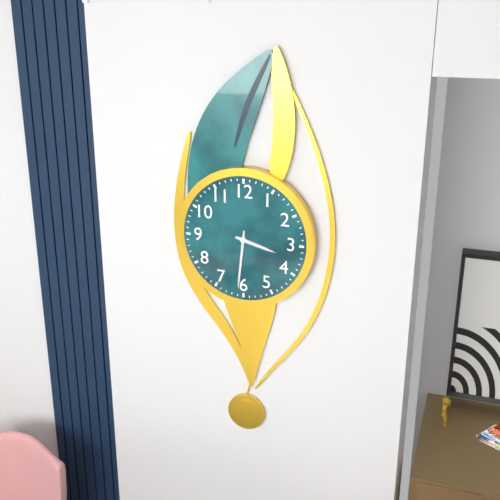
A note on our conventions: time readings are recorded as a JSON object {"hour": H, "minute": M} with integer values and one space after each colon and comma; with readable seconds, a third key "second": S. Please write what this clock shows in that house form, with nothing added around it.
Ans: {"hour": 3, "minute": 31}
